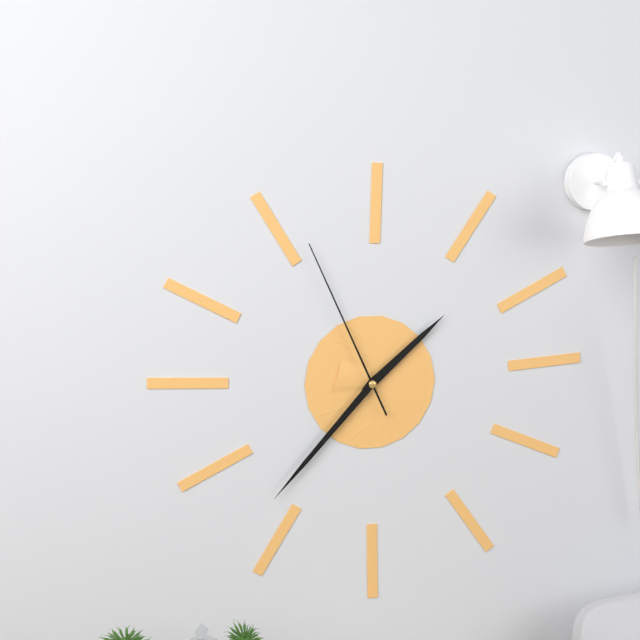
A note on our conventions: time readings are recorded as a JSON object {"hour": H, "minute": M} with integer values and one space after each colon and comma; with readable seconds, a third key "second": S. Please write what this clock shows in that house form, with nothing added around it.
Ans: {"hour": 1, "minute": 37, "second": 56}
